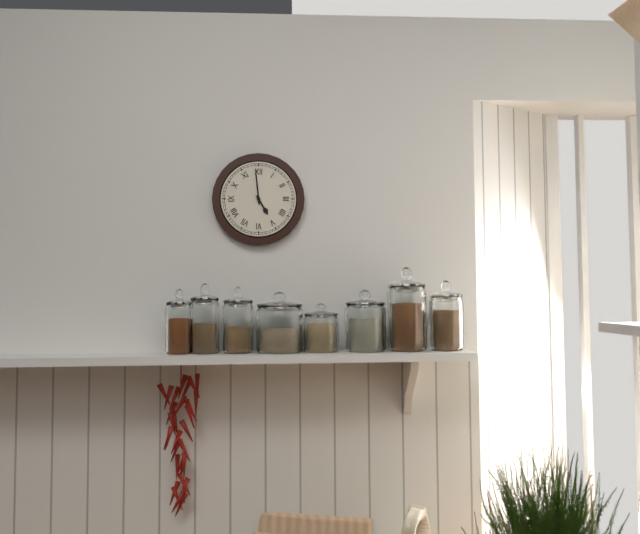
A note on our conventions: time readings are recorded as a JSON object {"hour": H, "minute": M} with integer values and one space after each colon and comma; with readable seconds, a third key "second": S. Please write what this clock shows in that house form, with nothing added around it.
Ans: {"hour": 4, "minute": 59}
